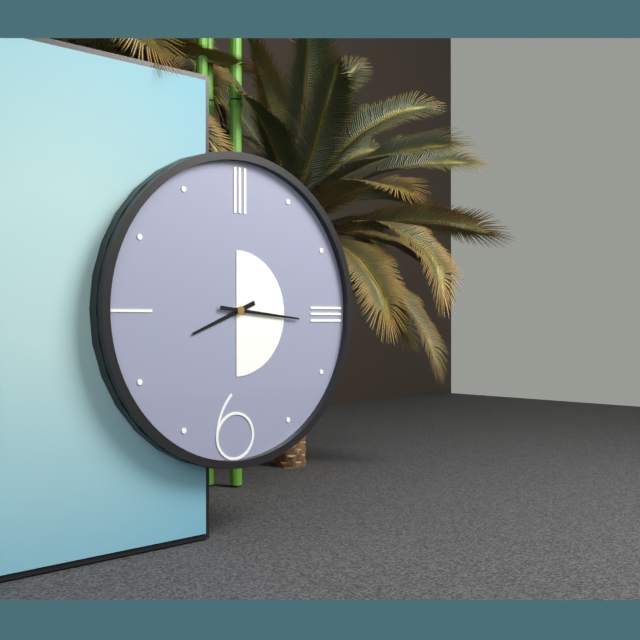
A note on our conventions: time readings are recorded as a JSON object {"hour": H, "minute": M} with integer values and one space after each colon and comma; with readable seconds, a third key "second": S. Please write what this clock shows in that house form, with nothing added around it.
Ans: {"hour": 8, "minute": 16}
